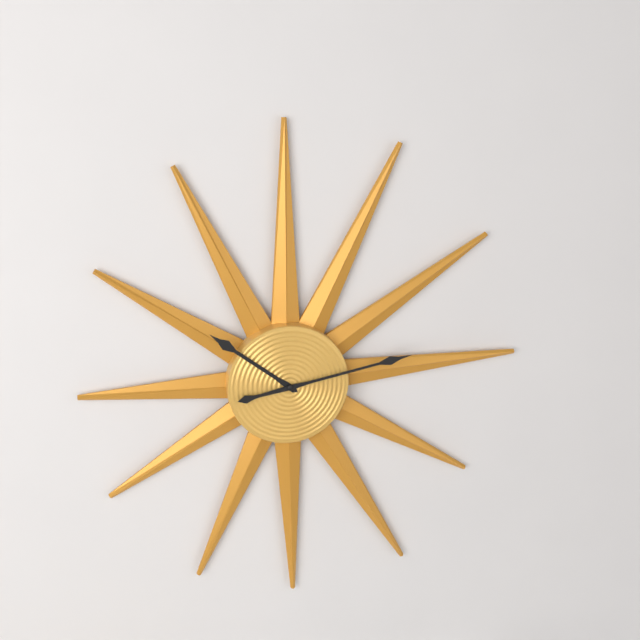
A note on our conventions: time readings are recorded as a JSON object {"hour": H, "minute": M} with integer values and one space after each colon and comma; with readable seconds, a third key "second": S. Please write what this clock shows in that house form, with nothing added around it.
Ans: {"hour": 10, "minute": 13}
